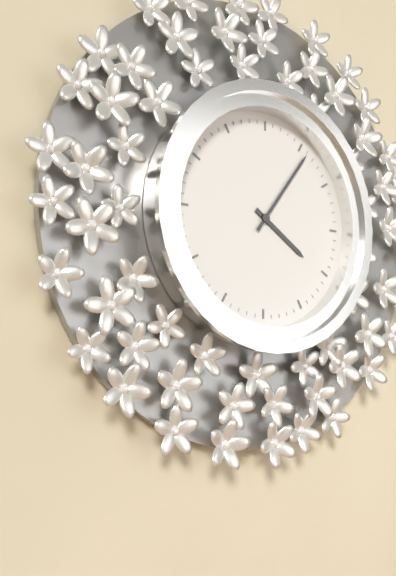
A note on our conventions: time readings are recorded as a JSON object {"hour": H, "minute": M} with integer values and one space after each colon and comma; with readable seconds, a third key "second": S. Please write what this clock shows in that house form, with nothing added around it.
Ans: {"hour": 4, "minute": 6}
